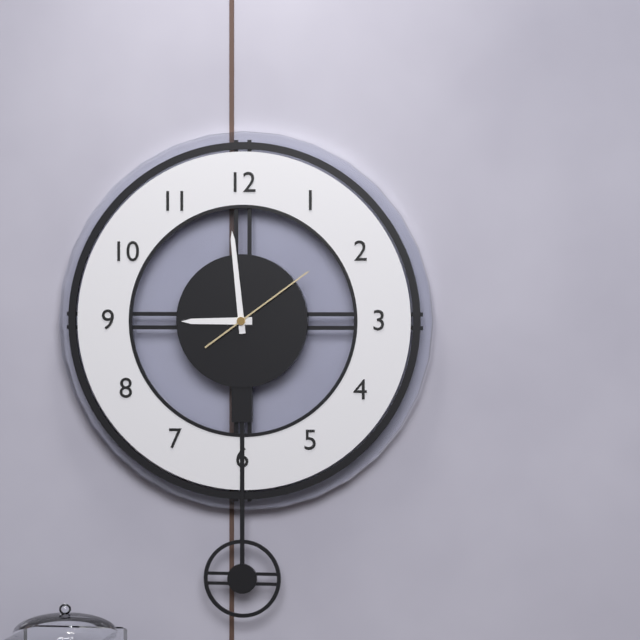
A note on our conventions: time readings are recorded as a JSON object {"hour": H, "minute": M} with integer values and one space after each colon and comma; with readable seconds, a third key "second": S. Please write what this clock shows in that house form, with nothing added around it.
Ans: {"hour": 8, "minute": 59, "second": 9}
